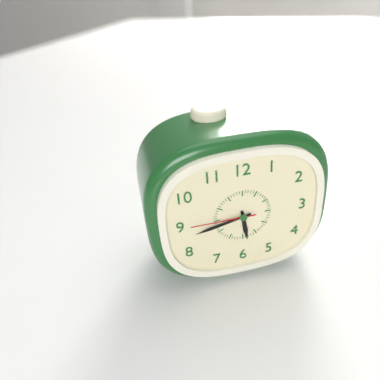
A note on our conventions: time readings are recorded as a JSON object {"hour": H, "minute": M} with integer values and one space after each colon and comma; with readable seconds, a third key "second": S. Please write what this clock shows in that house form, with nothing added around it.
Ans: {"hour": 5, "minute": 43, "second": 45}
